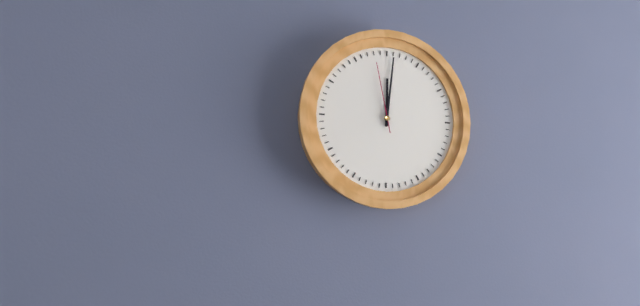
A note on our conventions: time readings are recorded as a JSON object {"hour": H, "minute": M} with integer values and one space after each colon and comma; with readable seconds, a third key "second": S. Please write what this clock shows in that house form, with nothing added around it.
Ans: {"hour": 12, "minute": 1, "second": 58}
